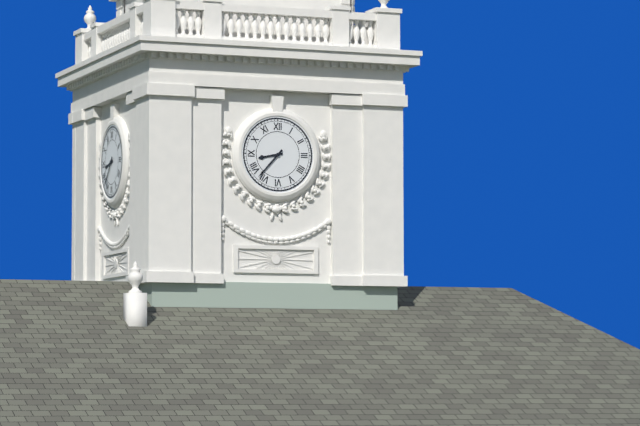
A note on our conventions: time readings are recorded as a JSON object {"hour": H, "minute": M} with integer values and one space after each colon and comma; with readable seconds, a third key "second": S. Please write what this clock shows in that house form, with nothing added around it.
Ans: {"hour": 8, "minute": 37}
